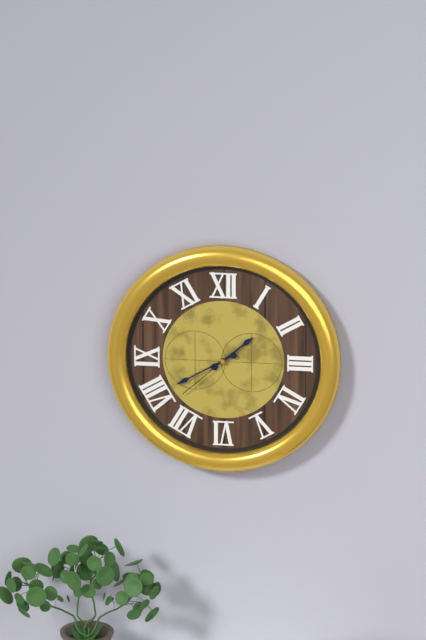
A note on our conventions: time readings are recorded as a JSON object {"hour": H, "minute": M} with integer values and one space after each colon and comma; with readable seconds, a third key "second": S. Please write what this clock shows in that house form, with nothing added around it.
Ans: {"hour": 1, "minute": 40, "second": 38}
